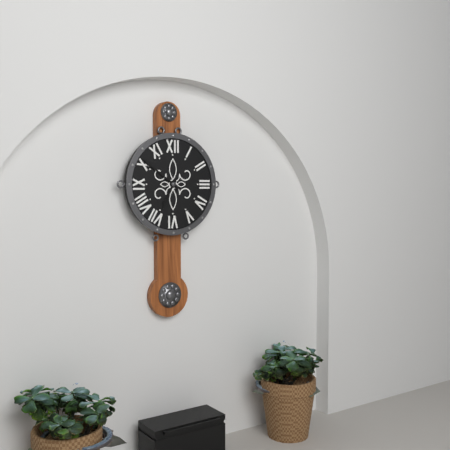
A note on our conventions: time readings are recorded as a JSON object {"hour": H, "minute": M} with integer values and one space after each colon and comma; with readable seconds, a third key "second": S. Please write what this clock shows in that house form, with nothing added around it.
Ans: {"hour": 6, "minute": 51}
